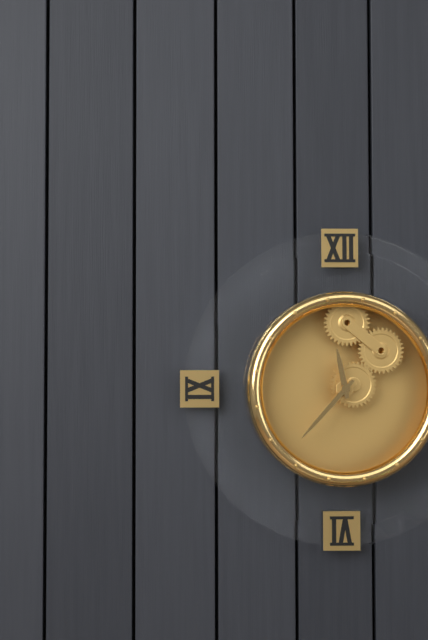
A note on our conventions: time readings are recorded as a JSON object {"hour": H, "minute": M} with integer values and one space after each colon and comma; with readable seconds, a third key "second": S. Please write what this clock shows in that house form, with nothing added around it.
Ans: {"hour": 11, "minute": 37}
